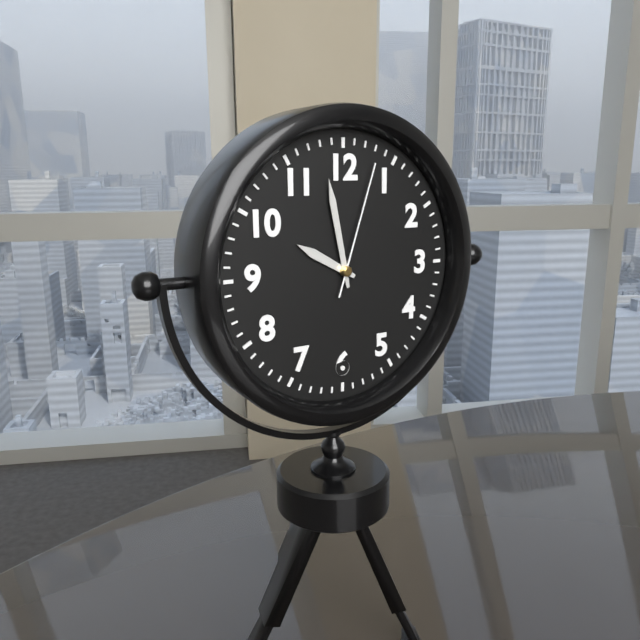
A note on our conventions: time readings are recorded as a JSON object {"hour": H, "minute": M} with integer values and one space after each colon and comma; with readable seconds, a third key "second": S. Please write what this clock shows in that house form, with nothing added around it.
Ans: {"hour": 9, "minute": 58, "second": 3}
